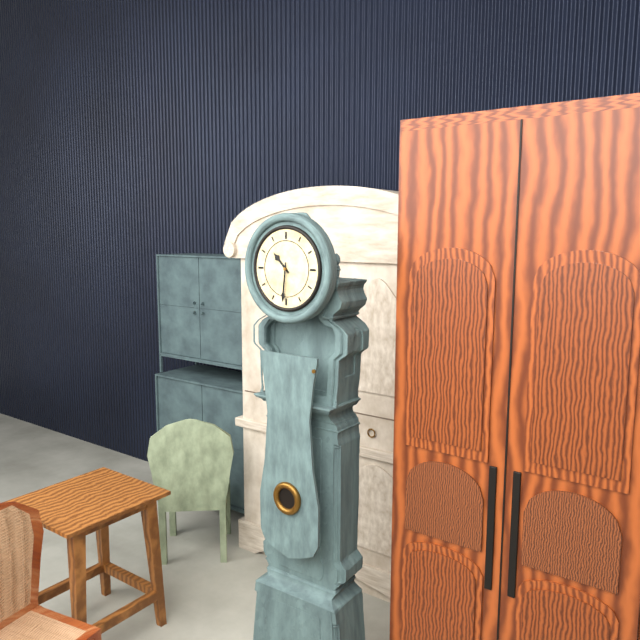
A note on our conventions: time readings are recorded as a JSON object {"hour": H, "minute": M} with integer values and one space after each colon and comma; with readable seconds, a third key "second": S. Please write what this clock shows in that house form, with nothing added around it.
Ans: {"hour": 10, "minute": 31}
